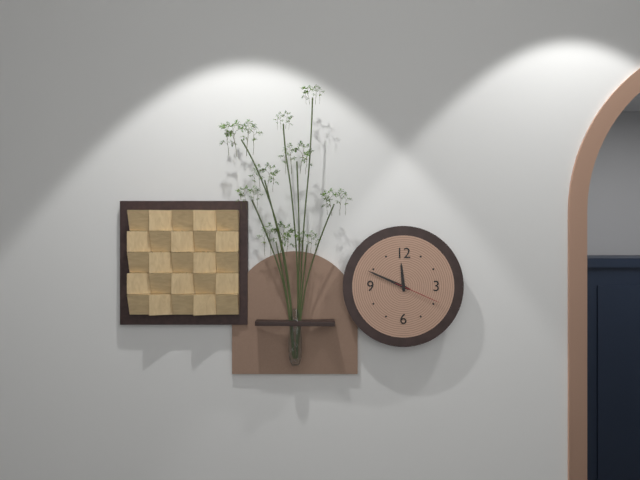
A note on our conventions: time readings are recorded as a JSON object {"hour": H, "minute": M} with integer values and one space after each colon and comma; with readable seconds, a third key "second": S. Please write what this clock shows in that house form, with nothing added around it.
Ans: {"hour": 11, "minute": 49, "second": 19}
